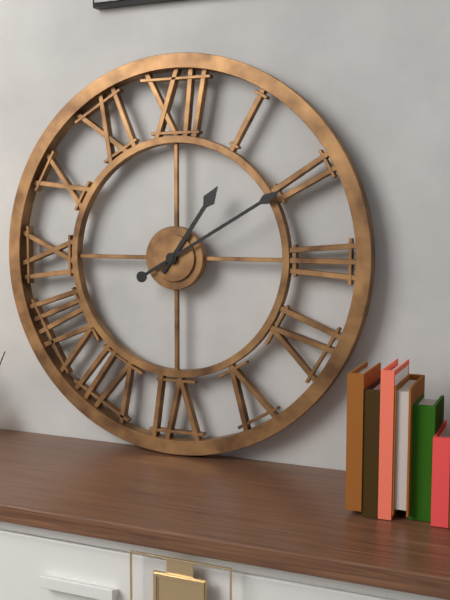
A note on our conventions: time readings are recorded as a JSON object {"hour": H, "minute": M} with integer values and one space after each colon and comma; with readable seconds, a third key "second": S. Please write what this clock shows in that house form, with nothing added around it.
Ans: {"hour": 1, "minute": 10}
